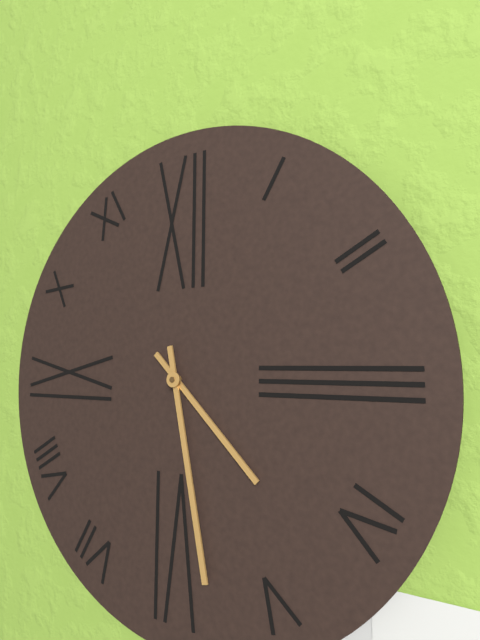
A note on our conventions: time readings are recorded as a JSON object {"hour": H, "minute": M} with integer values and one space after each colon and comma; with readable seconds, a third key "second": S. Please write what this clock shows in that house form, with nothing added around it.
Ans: {"hour": 4, "minute": 28}
